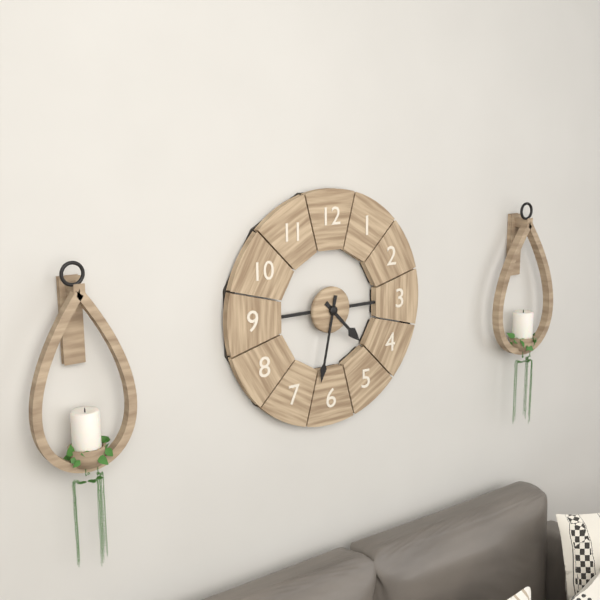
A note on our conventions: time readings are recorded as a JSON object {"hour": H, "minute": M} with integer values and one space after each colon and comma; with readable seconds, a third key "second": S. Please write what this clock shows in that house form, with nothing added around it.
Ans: {"hour": 4, "minute": 32}
